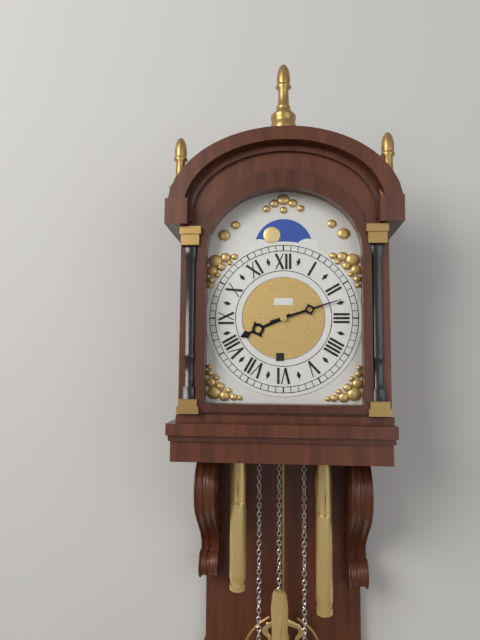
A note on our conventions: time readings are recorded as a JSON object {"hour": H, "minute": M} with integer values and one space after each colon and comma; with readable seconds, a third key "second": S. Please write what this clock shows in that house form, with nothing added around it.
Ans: {"hour": 8, "minute": 12}
